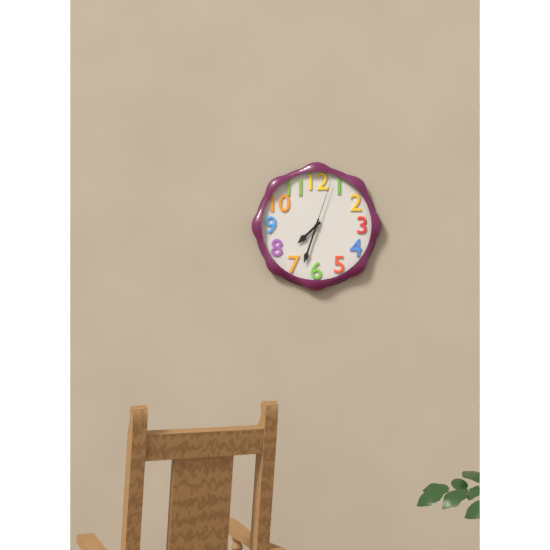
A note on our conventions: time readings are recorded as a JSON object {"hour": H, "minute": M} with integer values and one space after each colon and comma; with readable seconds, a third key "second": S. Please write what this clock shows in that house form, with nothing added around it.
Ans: {"hour": 7, "minute": 33, "second": 3}
